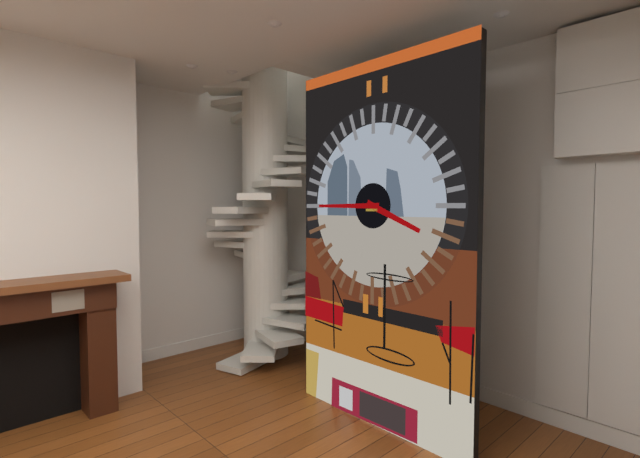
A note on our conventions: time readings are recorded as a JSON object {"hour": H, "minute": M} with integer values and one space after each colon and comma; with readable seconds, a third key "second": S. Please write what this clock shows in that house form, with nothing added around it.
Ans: {"hour": 3, "minute": 45}
